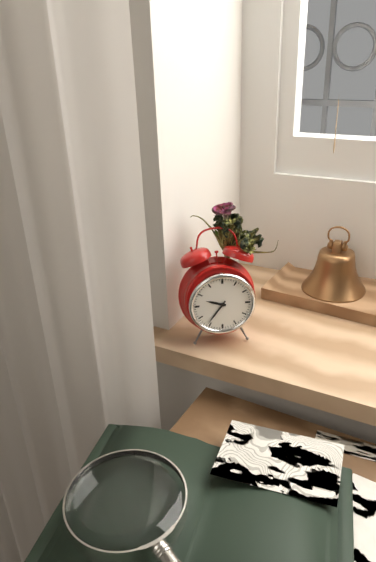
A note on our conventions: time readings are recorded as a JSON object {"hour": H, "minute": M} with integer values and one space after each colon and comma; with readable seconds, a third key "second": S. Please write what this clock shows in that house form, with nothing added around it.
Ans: {"hour": 9, "minute": 36}
